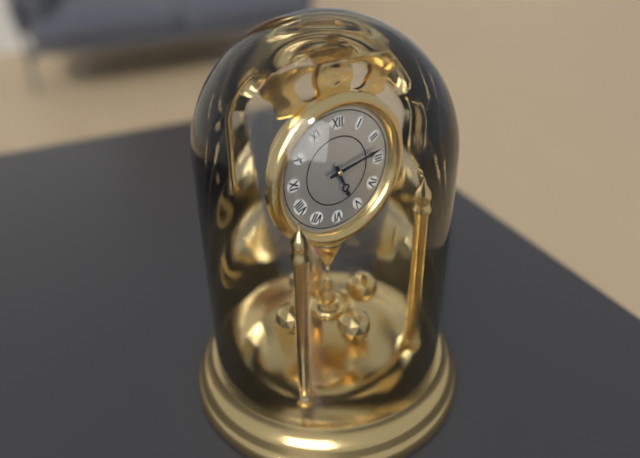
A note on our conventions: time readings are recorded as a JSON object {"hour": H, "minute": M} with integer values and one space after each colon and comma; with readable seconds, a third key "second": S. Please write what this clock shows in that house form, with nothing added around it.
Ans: {"hour": 5, "minute": 13}
